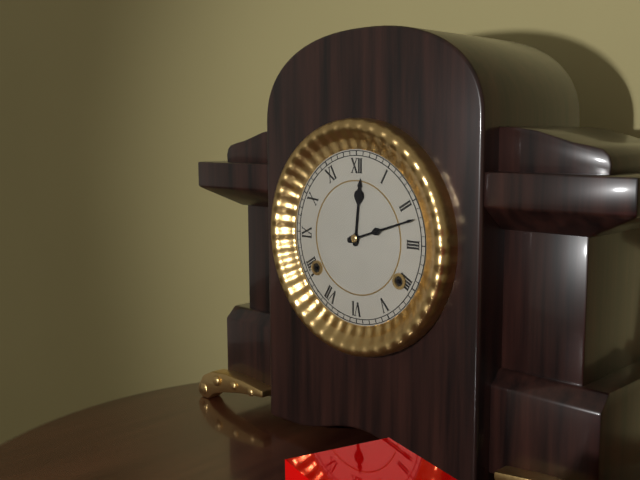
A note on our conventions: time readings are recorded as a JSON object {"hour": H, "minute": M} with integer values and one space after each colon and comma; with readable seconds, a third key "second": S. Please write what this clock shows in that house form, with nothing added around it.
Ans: {"hour": 12, "minute": 12}
